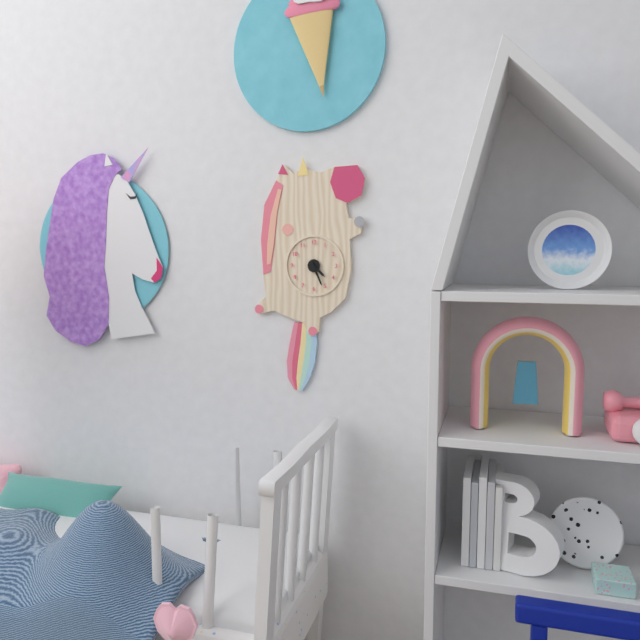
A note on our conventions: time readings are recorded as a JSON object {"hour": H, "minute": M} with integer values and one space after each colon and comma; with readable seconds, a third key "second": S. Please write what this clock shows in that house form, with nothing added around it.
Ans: {"hour": 4, "minute": 26}
